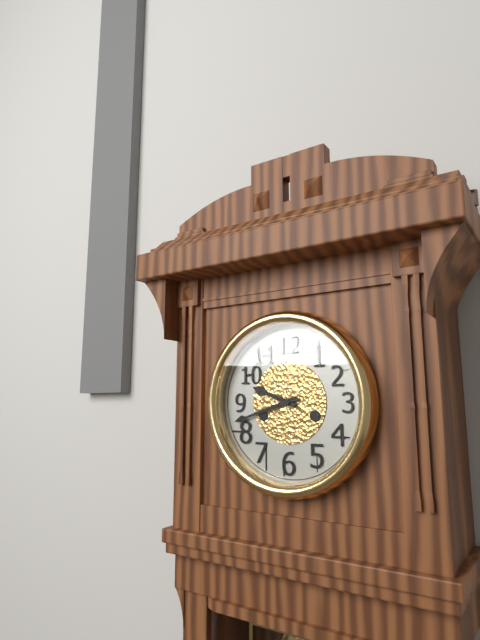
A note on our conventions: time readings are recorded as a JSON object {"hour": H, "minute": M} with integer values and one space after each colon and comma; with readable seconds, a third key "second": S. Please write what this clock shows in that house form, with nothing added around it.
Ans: {"hour": 9, "minute": 42}
